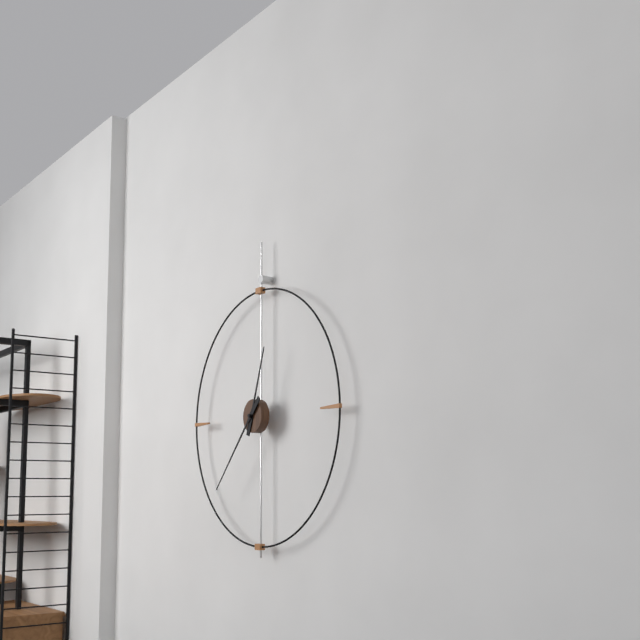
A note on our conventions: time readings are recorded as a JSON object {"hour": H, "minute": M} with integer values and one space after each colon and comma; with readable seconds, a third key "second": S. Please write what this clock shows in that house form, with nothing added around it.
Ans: {"hour": 12, "minute": 37}
